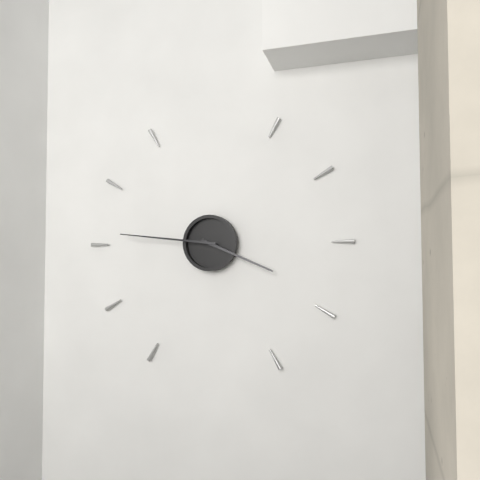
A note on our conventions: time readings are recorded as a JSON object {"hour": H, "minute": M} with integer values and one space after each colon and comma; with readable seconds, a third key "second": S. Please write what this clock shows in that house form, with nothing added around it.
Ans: {"hour": 3, "minute": 46}
